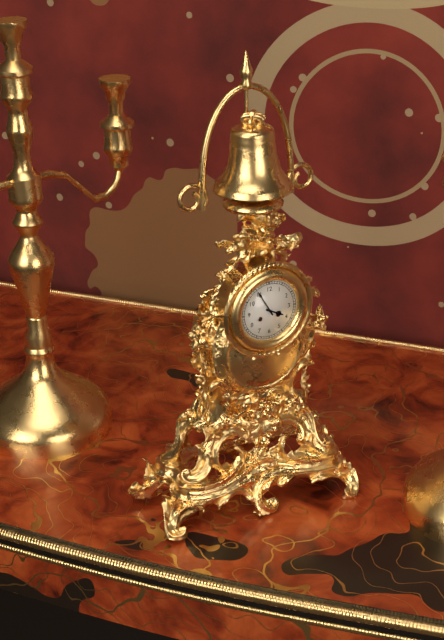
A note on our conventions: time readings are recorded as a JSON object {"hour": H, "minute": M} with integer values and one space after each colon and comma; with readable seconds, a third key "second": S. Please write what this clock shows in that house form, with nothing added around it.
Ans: {"hour": 3, "minute": 55}
